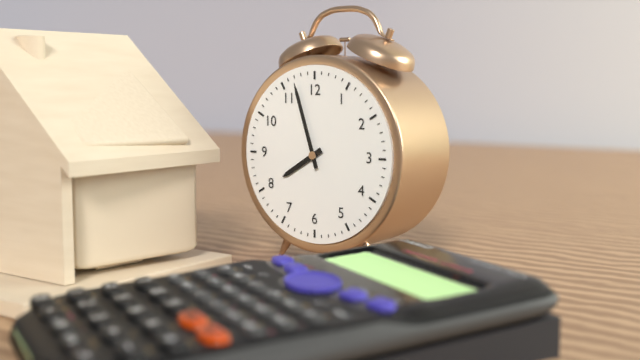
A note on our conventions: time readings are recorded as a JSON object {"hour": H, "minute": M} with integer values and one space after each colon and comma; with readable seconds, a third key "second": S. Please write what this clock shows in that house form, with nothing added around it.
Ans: {"hour": 7, "minute": 57}
